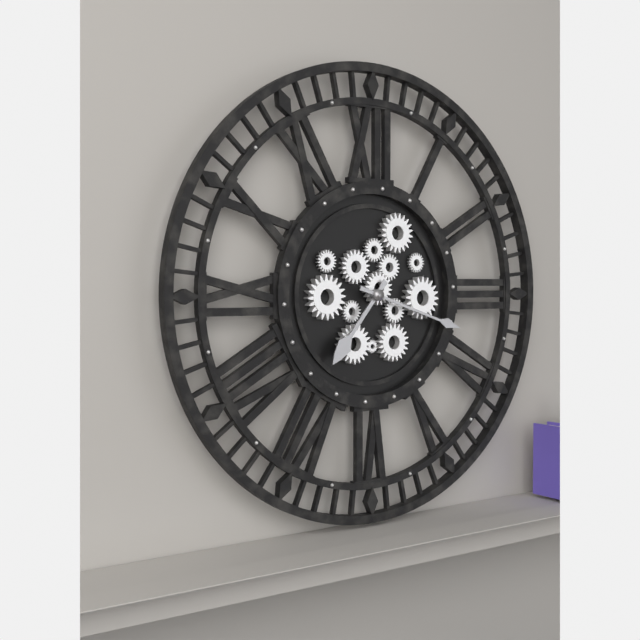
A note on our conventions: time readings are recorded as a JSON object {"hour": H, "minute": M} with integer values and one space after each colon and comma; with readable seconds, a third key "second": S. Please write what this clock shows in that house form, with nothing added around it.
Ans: {"hour": 7, "minute": 18}
